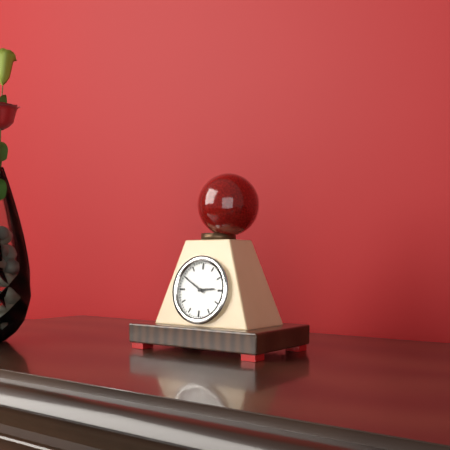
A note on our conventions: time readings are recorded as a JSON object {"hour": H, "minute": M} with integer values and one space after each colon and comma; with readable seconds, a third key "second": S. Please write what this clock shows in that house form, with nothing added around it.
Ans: {"hour": 2, "minute": 50}
